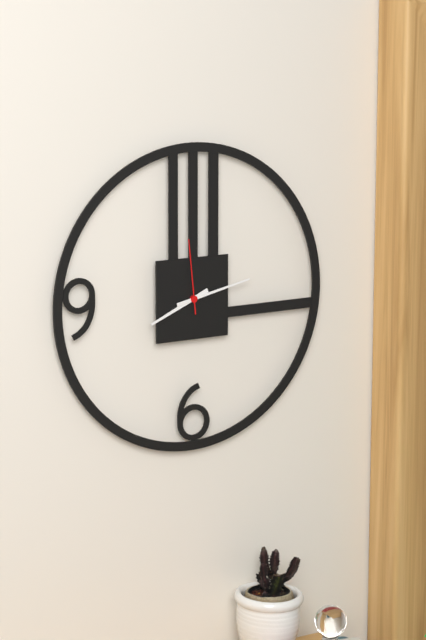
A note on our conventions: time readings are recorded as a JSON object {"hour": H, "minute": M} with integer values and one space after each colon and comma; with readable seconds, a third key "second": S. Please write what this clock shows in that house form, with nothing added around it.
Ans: {"hour": 8, "minute": 13, "second": 59}
